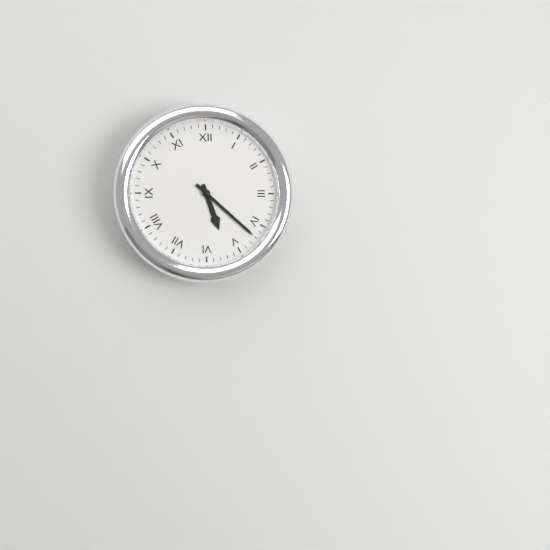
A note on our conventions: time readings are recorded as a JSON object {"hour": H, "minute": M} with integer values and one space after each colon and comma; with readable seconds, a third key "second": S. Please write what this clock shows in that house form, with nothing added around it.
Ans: {"hour": 5, "minute": 22}
